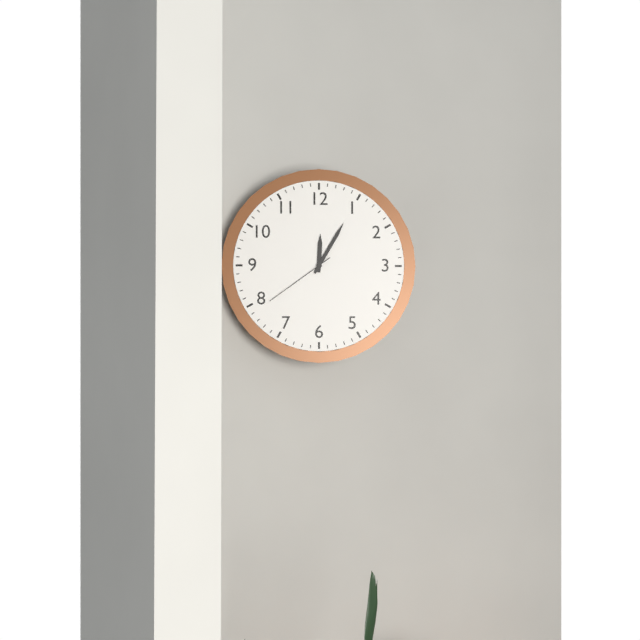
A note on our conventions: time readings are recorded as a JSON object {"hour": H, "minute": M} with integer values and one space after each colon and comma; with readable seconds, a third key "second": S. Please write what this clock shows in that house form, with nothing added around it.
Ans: {"hour": 12, "minute": 5, "second": 39}
